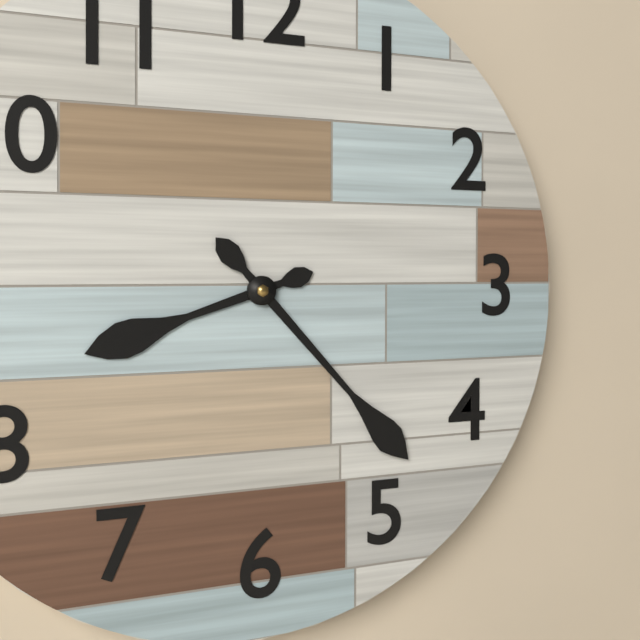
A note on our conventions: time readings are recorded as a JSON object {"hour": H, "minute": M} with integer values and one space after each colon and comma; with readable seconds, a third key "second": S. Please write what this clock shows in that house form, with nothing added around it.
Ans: {"hour": 8, "minute": 23}
